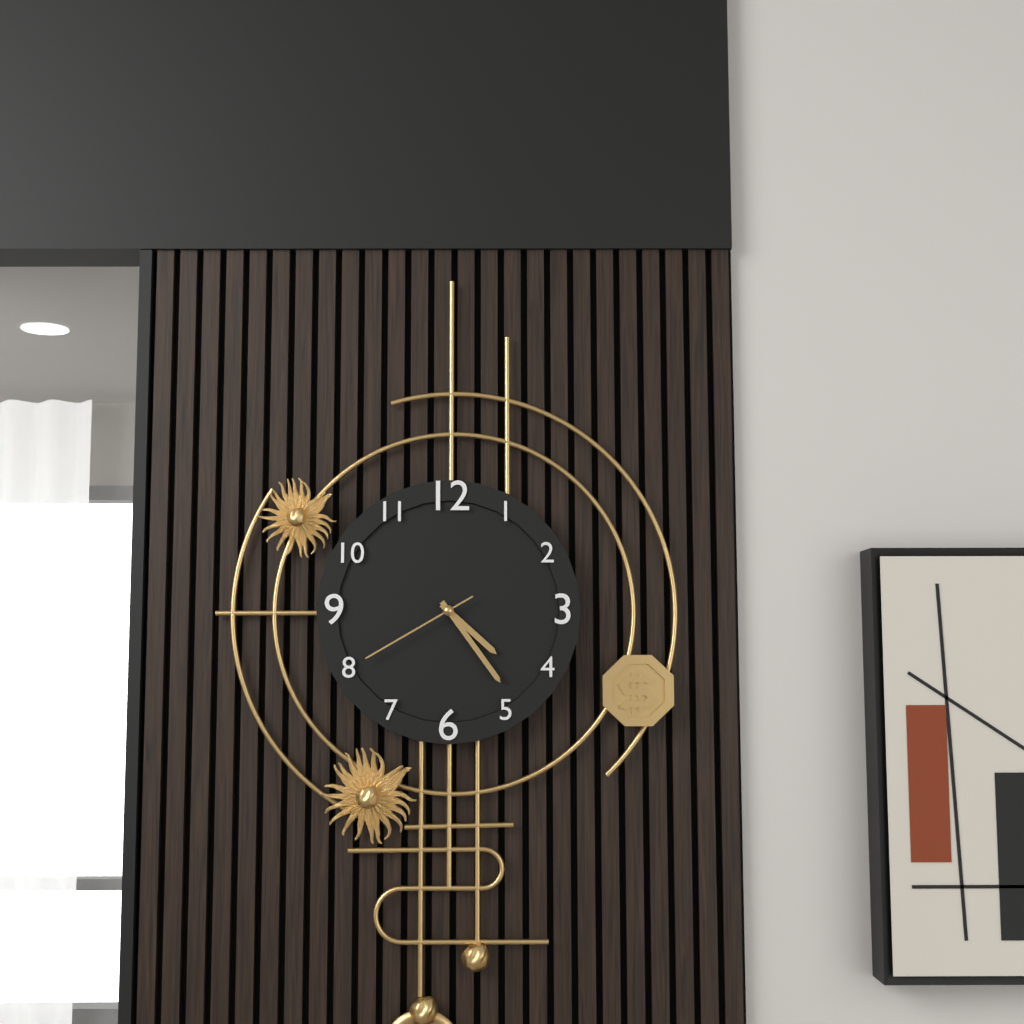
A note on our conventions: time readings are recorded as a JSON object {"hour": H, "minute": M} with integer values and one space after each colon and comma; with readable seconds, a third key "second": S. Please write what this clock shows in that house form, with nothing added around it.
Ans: {"hour": 4, "minute": 24, "second": 40}
